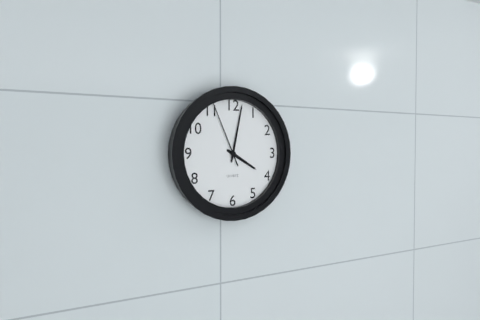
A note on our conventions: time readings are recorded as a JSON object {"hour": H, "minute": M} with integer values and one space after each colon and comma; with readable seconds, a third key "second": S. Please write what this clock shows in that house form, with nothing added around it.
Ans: {"hour": 4, "minute": 2, "second": 56}
